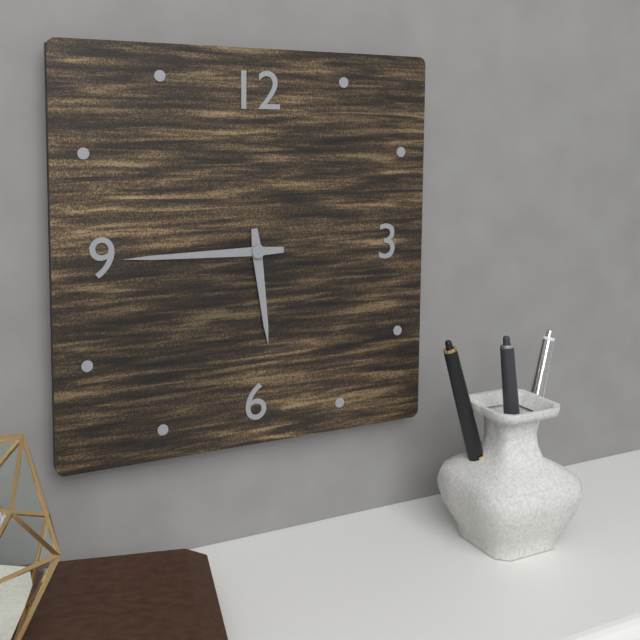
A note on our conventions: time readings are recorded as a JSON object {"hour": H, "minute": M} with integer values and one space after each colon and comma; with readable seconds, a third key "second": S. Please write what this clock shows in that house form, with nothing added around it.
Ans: {"hour": 5, "minute": 45}
